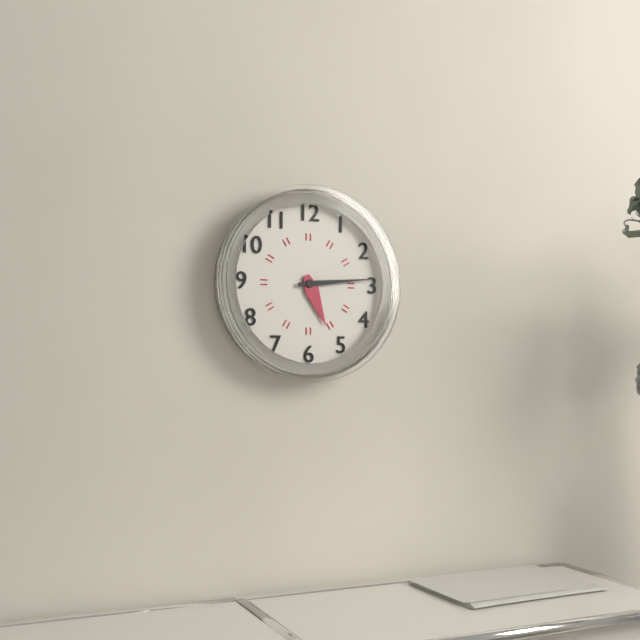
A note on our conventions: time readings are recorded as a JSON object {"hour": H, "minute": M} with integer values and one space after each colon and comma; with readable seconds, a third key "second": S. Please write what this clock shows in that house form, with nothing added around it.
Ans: {"hour": 5, "minute": 14}
